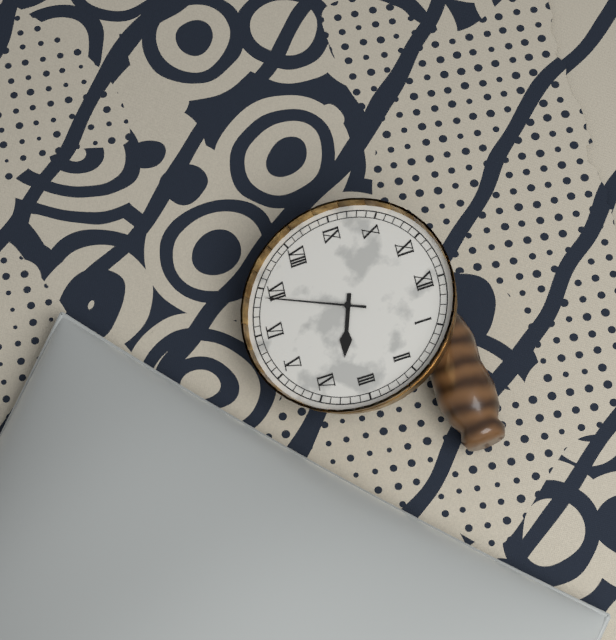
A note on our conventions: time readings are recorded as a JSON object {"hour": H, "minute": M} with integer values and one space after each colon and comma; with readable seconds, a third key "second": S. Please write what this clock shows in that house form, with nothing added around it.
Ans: {"hour": 3, "minute": 34}
